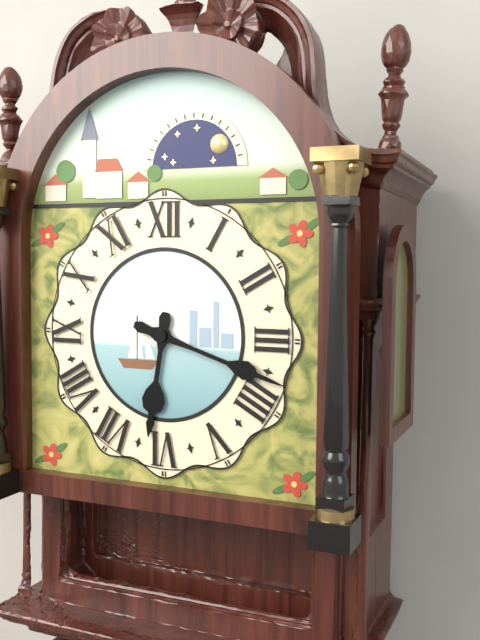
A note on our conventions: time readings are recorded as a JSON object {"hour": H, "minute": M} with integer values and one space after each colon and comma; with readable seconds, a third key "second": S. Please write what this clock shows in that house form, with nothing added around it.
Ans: {"hour": 6, "minute": 18}
